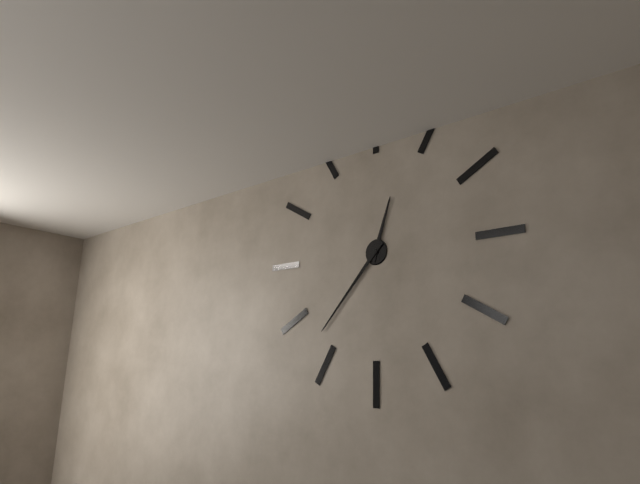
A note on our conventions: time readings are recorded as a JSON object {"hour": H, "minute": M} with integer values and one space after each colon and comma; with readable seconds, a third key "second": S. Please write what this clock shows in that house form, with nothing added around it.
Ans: {"hour": 12, "minute": 37}
